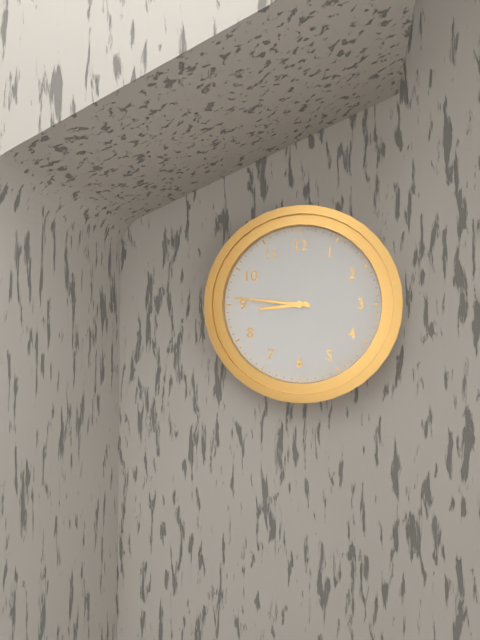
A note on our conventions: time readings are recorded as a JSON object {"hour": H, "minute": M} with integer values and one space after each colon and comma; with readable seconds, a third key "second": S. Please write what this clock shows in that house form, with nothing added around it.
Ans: {"hour": 8, "minute": 46}
